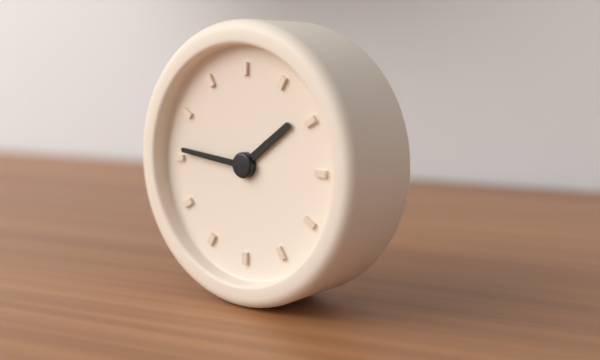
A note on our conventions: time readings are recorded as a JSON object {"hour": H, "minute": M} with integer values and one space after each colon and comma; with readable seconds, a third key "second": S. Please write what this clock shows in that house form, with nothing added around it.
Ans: {"hour": 1, "minute": 46}
